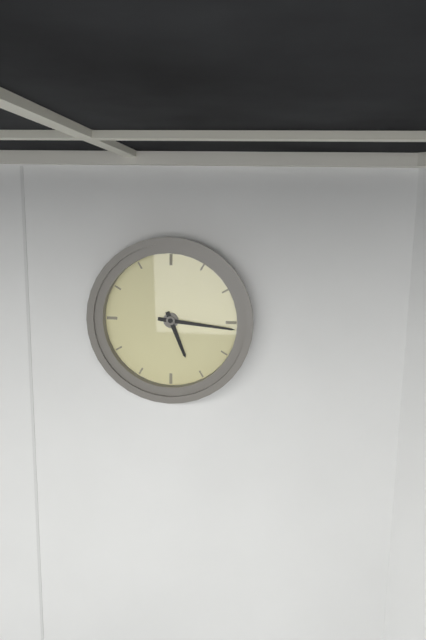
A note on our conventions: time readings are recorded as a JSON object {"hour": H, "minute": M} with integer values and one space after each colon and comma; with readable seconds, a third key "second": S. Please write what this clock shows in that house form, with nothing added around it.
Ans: {"hour": 5, "minute": 16}
